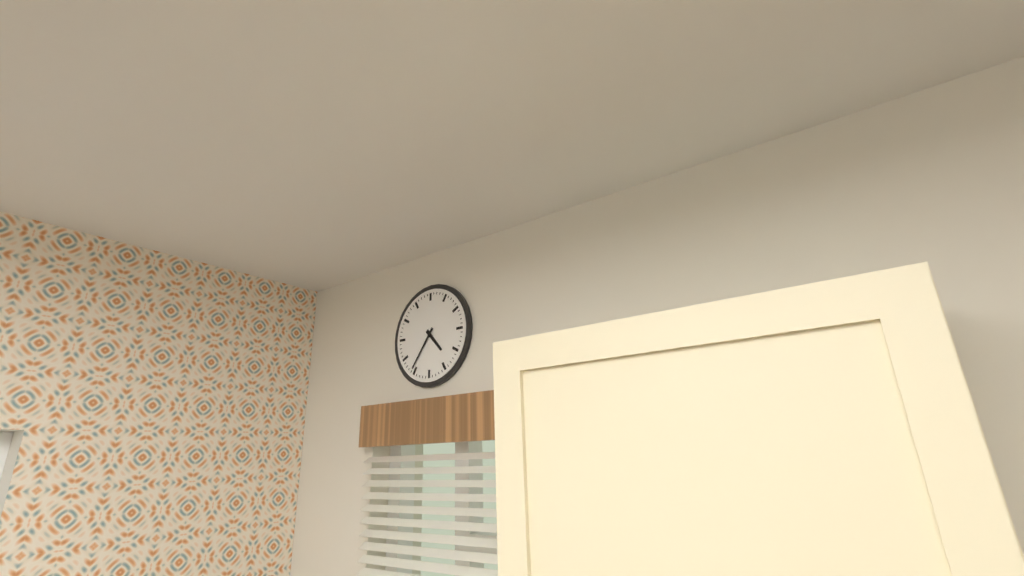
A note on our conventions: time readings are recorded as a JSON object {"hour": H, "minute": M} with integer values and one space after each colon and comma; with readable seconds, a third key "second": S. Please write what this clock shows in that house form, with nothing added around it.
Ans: {"hour": 4, "minute": 36}
